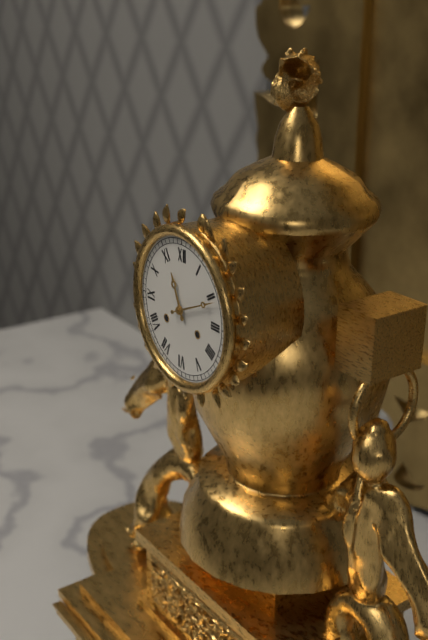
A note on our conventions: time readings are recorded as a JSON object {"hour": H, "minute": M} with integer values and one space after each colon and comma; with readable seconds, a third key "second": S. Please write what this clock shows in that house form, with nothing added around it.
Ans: {"hour": 11, "minute": 11}
